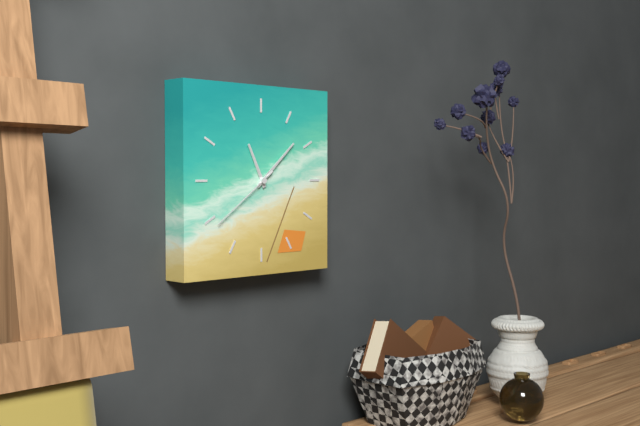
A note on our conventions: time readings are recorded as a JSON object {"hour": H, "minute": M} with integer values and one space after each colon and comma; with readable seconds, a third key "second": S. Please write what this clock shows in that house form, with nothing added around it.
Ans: {"hour": 11, "minute": 8, "second": 39}
